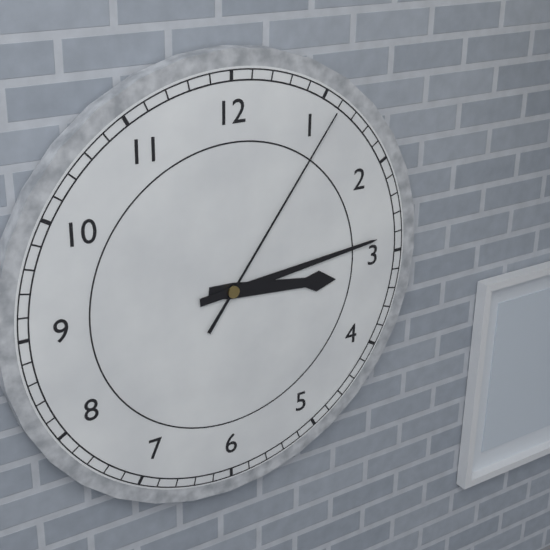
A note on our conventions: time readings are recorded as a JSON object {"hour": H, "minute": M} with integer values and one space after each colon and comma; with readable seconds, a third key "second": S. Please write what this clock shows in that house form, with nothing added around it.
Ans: {"hour": 3, "minute": 14, "second": 6}
